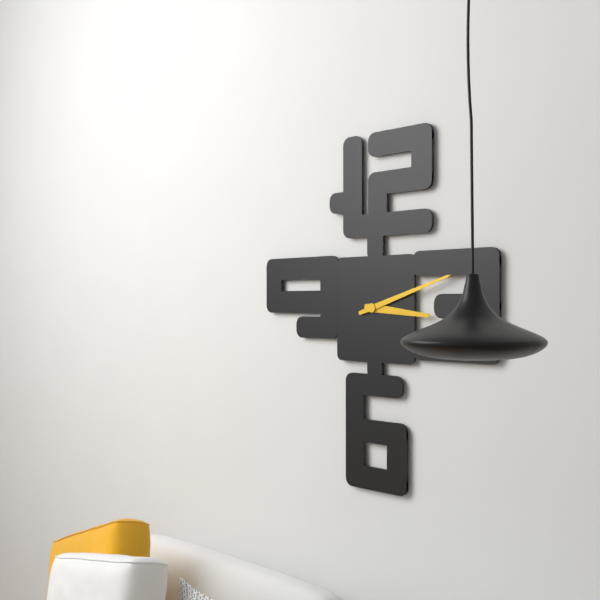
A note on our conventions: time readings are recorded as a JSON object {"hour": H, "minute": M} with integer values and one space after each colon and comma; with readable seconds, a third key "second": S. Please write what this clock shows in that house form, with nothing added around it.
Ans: {"hour": 3, "minute": 12}
